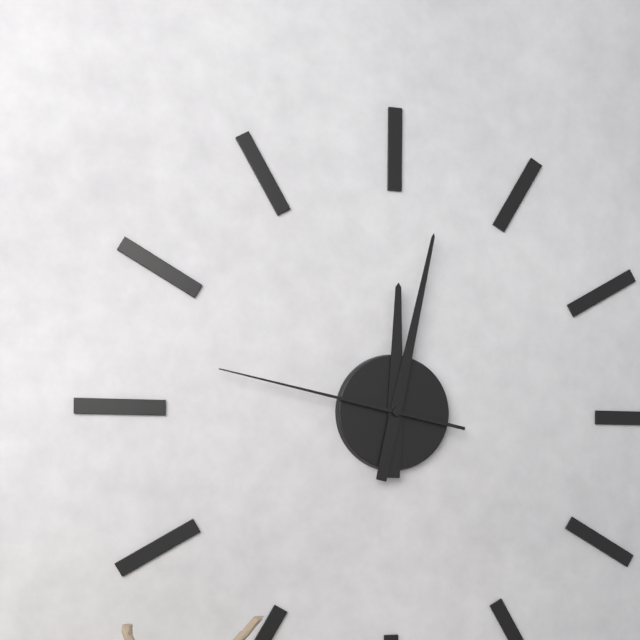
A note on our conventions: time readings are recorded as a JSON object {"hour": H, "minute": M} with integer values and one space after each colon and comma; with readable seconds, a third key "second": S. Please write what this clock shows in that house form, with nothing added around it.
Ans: {"hour": 12, "minute": 2, "second": 47}
